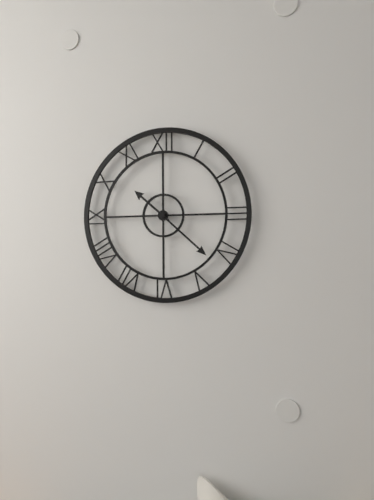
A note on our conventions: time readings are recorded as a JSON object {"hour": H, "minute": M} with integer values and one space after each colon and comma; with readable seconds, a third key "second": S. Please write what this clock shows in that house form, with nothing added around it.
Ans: {"hour": 10, "minute": 22}
